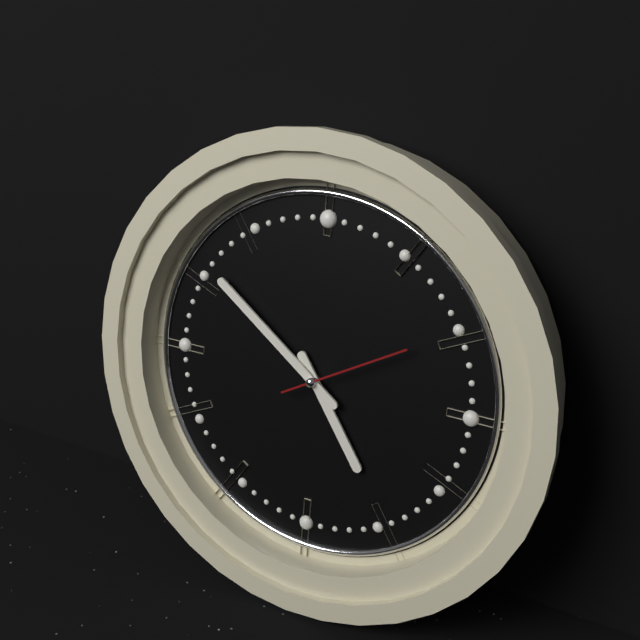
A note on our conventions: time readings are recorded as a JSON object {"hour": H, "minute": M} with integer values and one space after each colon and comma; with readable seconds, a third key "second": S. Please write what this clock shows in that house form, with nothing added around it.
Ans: {"hour": 4, "minute": 51, "second": 10}
